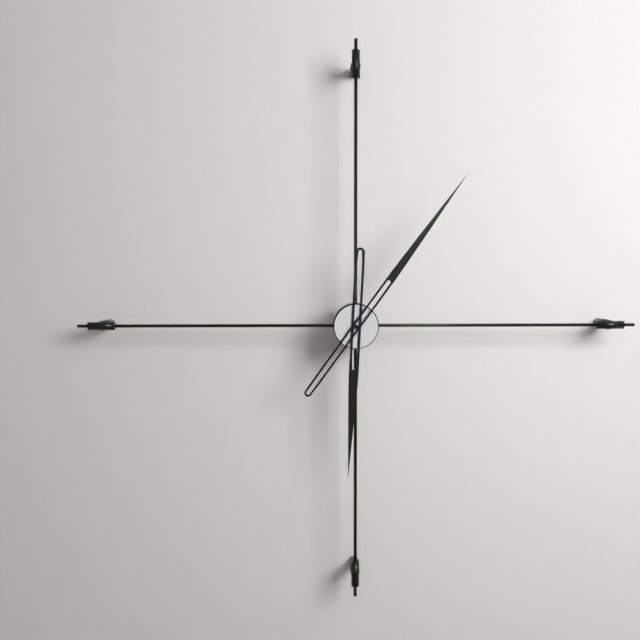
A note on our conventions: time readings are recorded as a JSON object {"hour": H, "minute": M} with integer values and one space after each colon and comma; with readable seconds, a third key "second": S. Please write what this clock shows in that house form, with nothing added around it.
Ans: {"hour": 6, "minute": 6}
